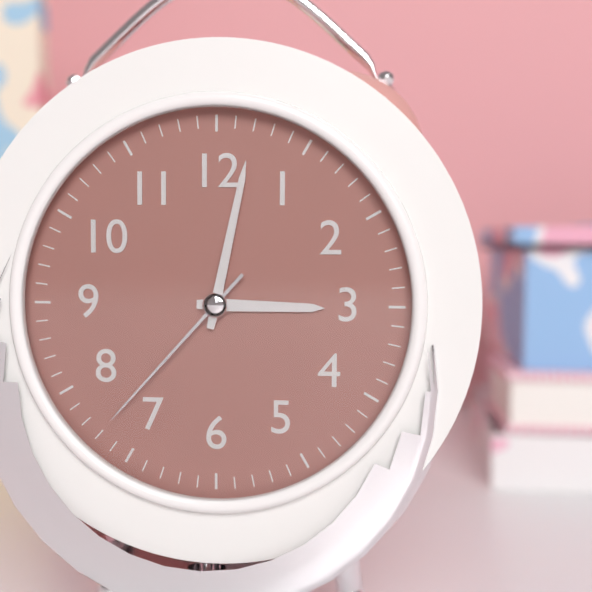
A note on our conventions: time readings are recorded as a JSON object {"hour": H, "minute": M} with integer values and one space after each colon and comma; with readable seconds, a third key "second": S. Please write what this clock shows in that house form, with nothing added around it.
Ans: {"hour": 3, "minute": 2, "second": 37}
